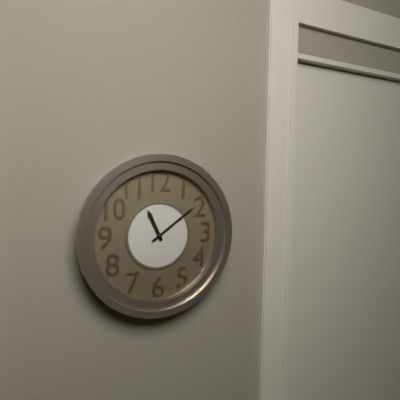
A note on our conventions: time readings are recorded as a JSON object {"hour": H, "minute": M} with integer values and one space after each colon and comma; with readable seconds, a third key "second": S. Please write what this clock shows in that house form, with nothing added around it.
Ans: {"hour": 11, "minute": 9}
